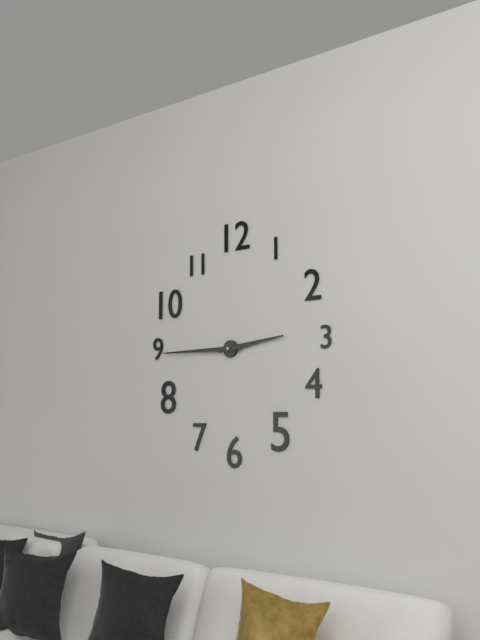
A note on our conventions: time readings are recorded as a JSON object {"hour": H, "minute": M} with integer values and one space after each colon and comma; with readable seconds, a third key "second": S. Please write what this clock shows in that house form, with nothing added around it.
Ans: {"hour": 2, "minute": 45}
